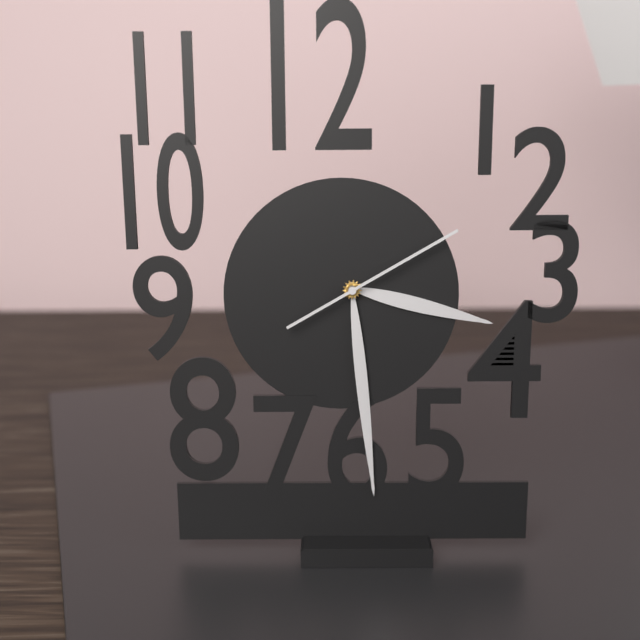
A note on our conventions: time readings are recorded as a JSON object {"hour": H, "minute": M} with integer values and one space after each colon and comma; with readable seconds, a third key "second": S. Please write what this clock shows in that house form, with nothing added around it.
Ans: {"hour": 3, "minute": 29, "second": 10}
